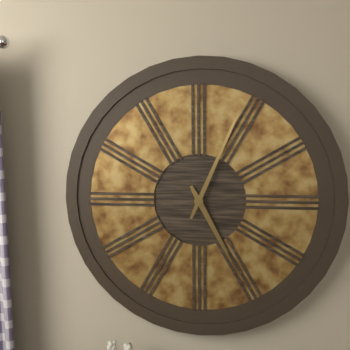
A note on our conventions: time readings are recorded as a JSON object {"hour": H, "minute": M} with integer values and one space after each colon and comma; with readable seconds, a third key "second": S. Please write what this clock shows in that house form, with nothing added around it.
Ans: {"hour": 5, "minute": 4}
